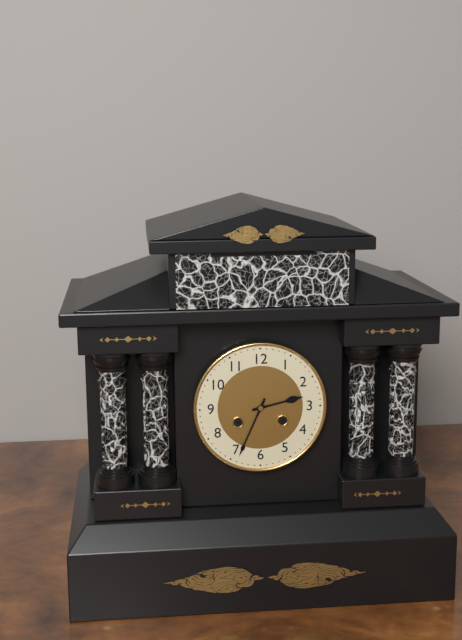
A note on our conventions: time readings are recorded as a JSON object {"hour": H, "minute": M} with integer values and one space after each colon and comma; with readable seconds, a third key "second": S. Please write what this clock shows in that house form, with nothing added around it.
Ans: {"hour": 2, "minute": 34}
